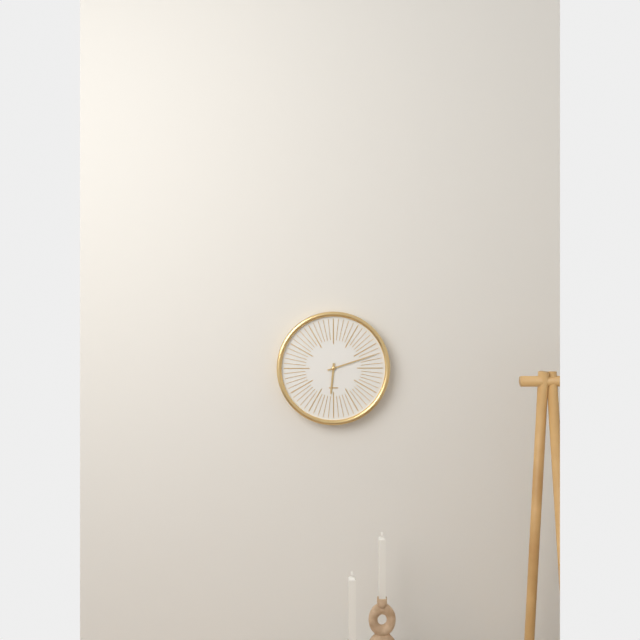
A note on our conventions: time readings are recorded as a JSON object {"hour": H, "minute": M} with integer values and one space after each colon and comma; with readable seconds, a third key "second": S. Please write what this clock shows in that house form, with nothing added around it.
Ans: {"hour": 6, "minute": 12}
